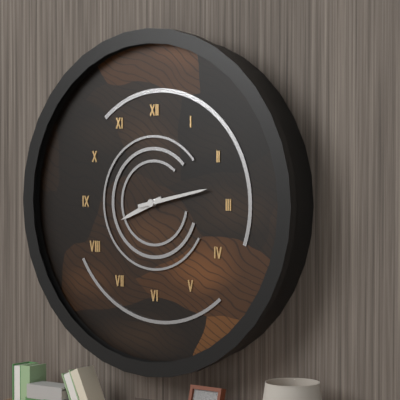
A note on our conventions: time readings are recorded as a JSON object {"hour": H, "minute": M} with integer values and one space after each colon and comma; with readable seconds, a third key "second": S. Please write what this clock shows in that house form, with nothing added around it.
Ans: {"hour": 8, "minute": 13}
